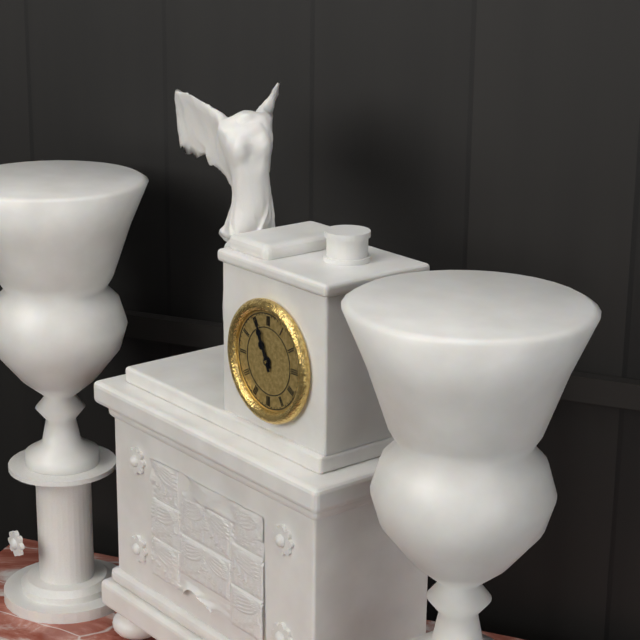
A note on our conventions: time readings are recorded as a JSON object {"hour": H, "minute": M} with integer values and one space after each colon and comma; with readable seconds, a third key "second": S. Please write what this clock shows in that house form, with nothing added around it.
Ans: {"hour": 10, "minute": 56}
